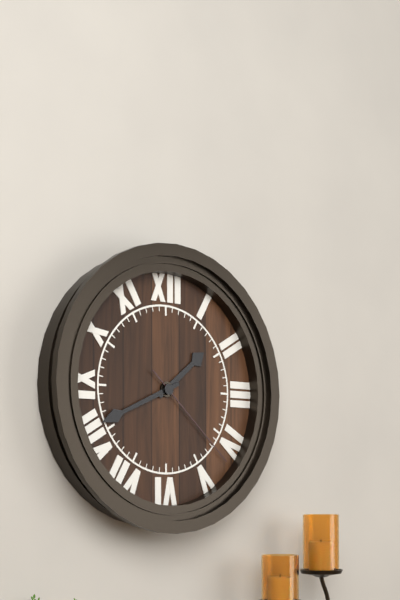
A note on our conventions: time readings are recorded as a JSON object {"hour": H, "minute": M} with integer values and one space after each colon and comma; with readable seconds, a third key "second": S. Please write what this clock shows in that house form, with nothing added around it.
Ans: {"hour": 1, "minute": 41, "second": 22}
